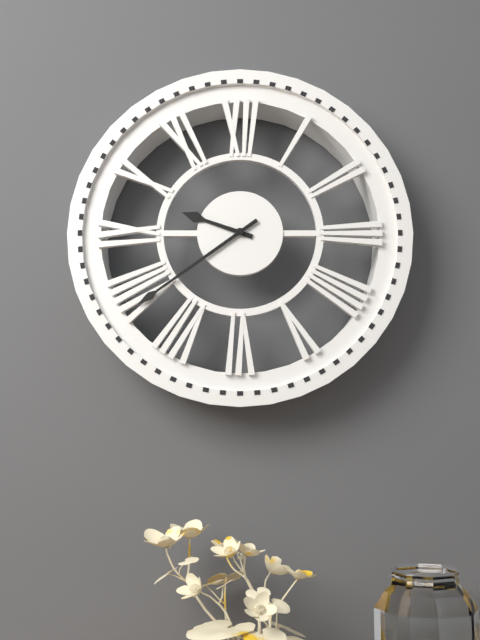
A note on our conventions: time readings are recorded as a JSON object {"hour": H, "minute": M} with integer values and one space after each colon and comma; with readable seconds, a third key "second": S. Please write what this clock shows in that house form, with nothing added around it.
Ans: {"hour": 9, "minute": 39}
